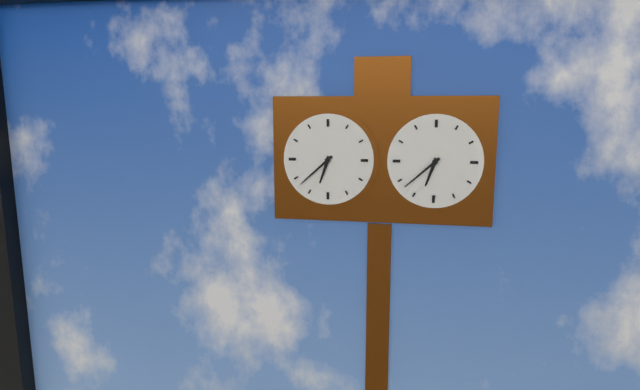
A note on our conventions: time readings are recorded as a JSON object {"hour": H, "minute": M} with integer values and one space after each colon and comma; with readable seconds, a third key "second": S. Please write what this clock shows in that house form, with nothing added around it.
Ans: {"hour": 6, "minute": 38}
